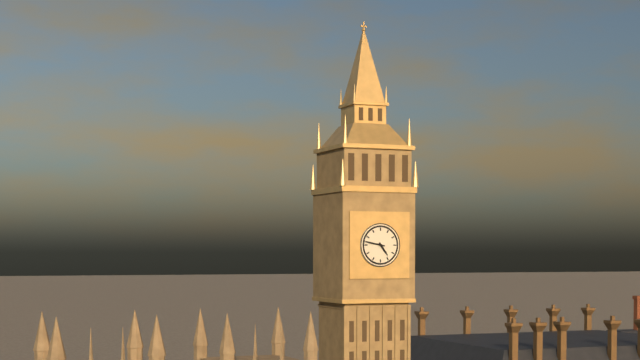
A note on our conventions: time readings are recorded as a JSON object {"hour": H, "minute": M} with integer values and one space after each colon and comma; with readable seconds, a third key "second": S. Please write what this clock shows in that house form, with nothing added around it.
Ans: {"hour": 4, "minute": 47}
